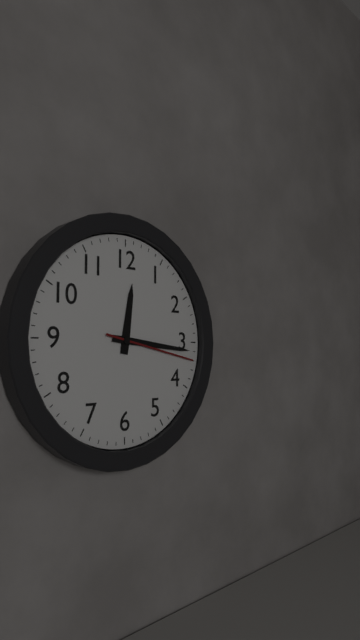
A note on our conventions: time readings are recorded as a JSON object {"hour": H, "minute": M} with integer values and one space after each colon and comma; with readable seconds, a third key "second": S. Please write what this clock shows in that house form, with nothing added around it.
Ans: {"hour": 12, "minute": 16, "second": 17}
